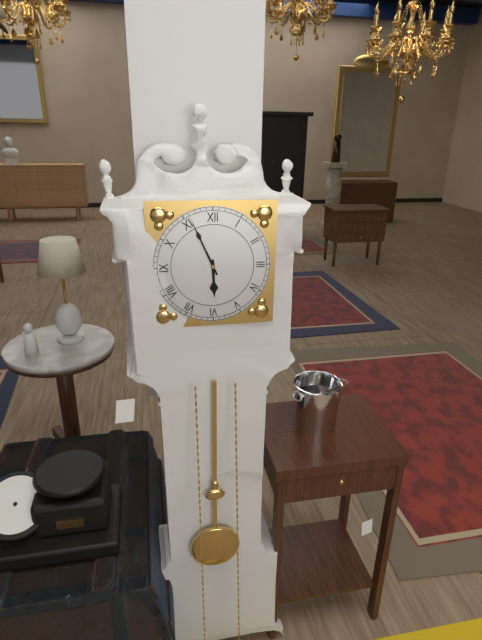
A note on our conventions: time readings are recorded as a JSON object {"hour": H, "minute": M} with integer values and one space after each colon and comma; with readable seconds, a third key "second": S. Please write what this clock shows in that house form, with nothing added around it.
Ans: {"hour": 5, "minute": 56}
